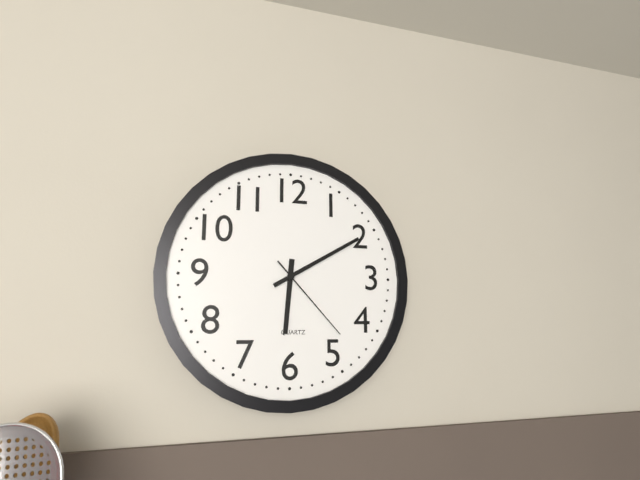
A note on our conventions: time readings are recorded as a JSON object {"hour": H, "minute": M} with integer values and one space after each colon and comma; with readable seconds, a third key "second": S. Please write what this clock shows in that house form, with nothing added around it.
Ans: {"hour": 6, "minute": 10, "second": 23}
